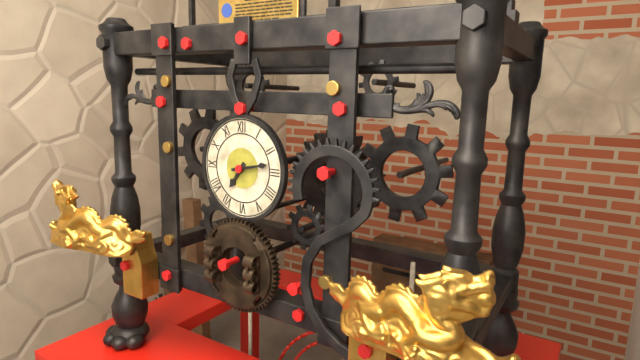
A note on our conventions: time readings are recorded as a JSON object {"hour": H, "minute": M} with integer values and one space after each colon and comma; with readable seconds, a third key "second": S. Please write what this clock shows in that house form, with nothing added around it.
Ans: {"hour": 7, "minute": 13}
